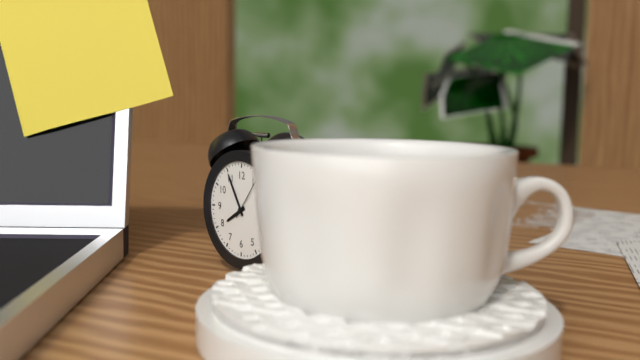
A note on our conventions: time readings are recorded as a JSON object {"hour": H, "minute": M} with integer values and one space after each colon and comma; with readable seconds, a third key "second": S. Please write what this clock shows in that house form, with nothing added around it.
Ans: {"hour": 7, "minute": 55}
